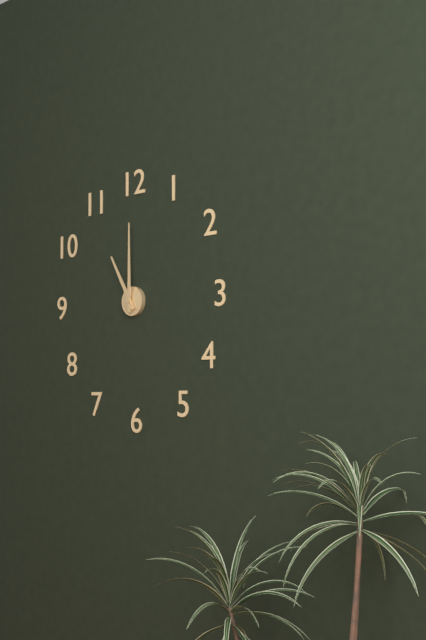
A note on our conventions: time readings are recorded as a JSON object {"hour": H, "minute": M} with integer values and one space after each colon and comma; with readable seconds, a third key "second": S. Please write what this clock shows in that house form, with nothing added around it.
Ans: {"hour": 11, "minute": 0}
